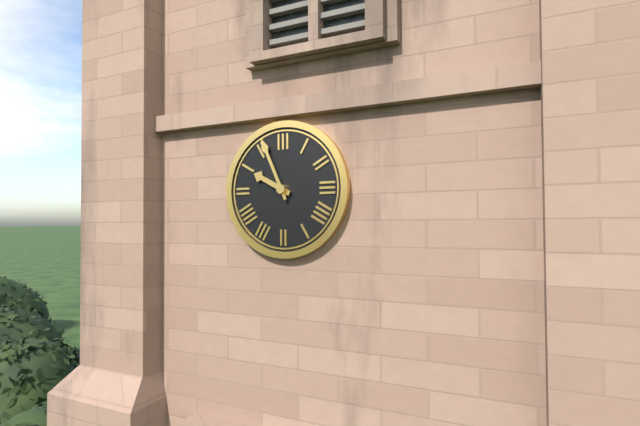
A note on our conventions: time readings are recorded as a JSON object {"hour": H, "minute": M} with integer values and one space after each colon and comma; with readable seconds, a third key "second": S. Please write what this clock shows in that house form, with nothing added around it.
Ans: {"hour": 9, "minute": 56}
